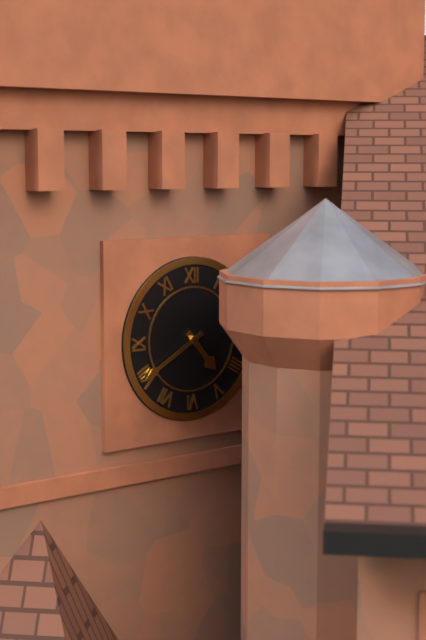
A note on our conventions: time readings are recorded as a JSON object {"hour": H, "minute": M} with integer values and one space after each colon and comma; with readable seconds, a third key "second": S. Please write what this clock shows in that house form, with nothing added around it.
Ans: {"hour": 4, "minute": 40}
